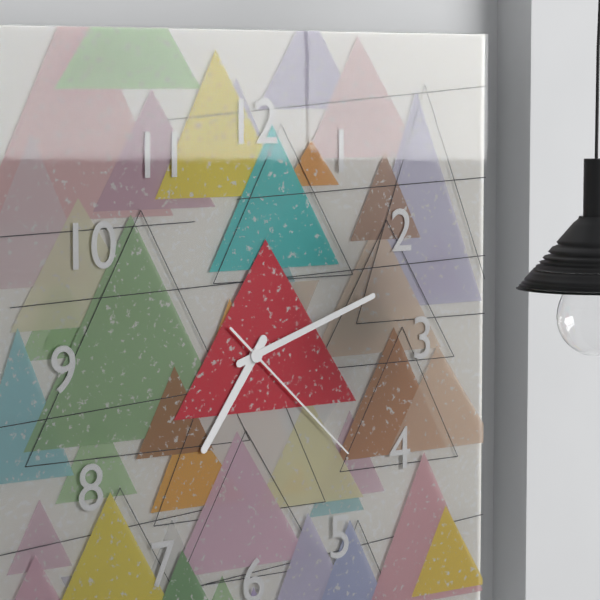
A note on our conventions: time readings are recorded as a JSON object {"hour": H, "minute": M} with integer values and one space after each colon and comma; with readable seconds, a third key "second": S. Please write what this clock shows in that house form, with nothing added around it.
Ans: {"hour": 7, "minute": 12, "second": 22}
